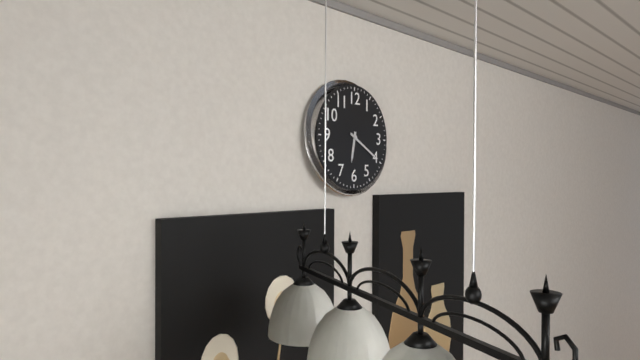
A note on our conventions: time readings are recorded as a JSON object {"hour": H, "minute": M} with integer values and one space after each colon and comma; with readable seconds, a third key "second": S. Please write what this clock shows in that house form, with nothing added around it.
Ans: {"hour": 6, "minute": 20}
